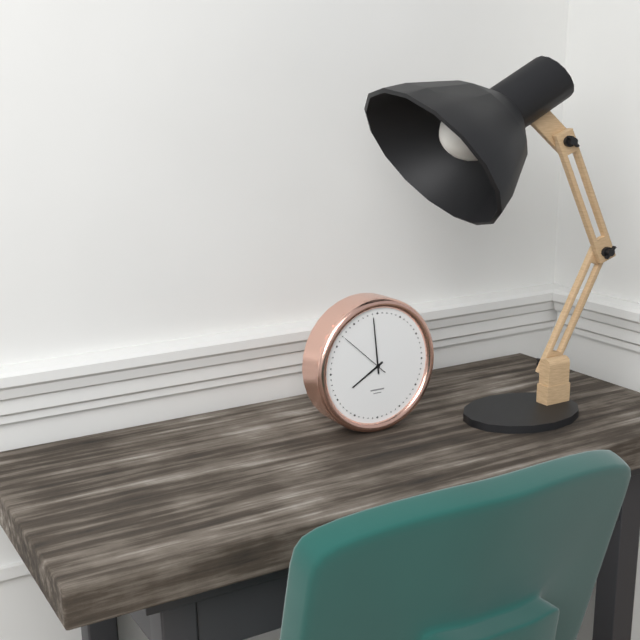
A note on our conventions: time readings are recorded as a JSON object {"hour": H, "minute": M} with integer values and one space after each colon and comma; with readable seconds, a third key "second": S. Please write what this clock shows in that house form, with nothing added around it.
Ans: {"hour": 7, "minute": 59, "second": 52}
